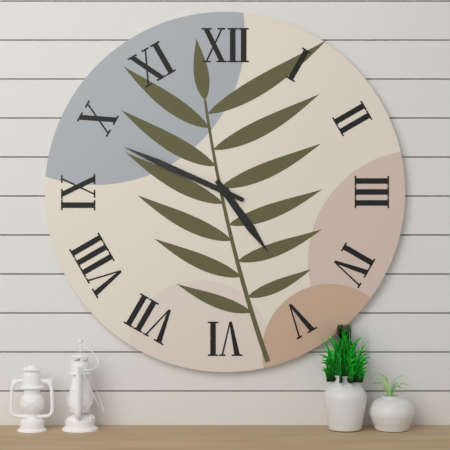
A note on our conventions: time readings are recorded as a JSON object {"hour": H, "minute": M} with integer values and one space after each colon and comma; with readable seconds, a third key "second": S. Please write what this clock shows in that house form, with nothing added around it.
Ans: {"hour": 4, "minute": 49}
